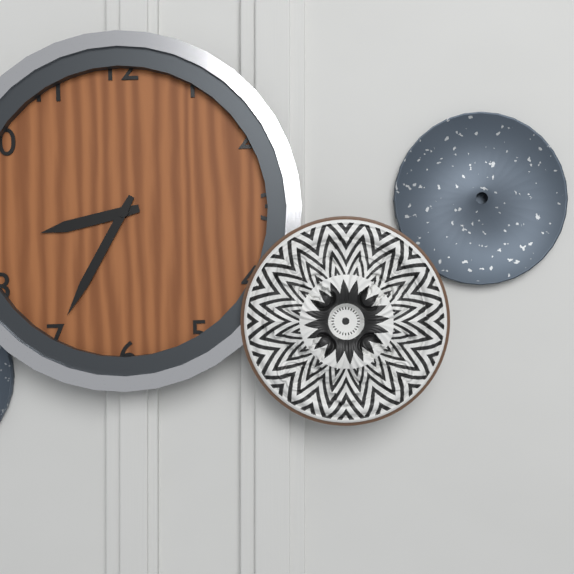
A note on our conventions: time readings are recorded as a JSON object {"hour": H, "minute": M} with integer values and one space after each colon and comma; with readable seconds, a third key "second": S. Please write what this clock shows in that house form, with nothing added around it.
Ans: {"hour": 8, "minute": 35}
